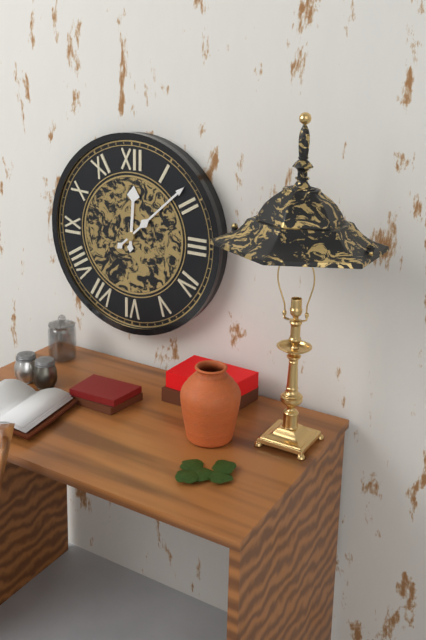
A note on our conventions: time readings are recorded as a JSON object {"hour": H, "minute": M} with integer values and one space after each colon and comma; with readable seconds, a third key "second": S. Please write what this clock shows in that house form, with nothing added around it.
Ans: {"hour": 12, "minute": 8}
